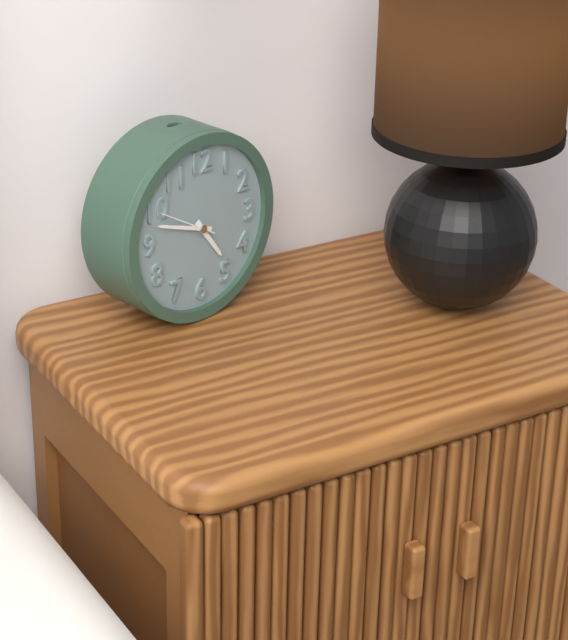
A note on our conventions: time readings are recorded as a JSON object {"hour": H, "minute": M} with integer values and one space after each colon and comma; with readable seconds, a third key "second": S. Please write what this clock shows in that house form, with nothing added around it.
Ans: {"hour": 4, "minute": 48, "second": 50}
